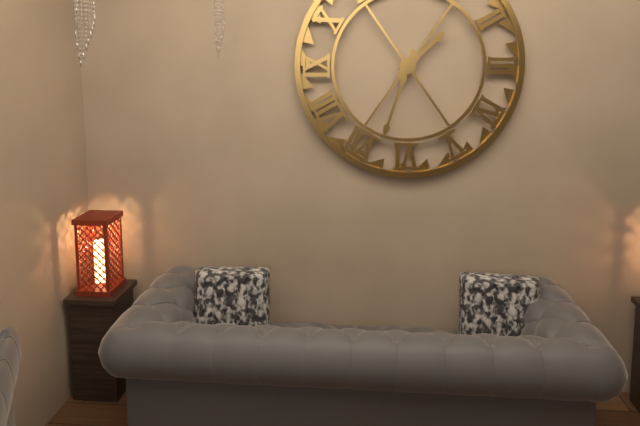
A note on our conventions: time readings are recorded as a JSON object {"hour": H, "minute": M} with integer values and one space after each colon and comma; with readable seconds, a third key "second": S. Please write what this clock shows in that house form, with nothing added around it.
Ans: {"hour": 1, "minute": 33}
